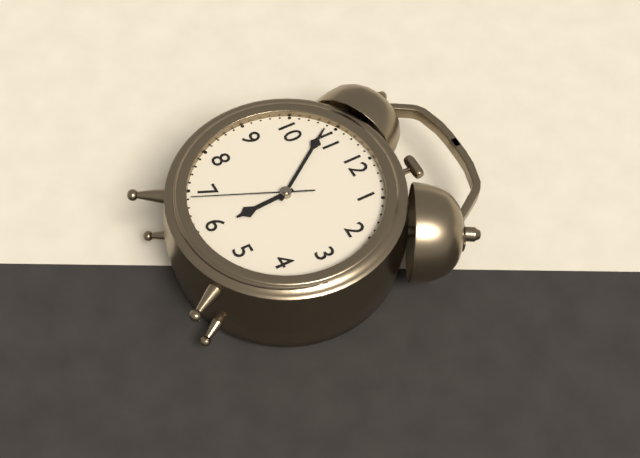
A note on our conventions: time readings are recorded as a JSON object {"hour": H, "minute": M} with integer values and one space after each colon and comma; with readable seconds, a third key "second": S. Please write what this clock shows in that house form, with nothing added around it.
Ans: {"hour": 5, "minute": 54, "second": 34}
